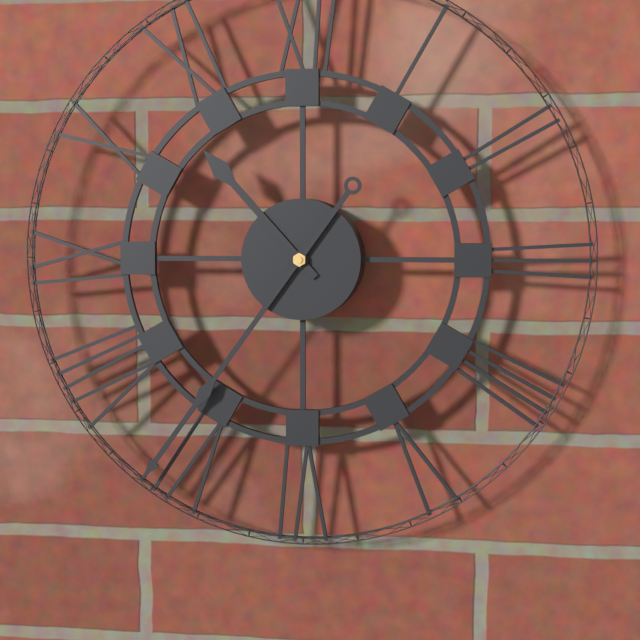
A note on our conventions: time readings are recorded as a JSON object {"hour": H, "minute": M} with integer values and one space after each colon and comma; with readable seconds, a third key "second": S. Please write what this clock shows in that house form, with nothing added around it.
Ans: {"hour": 10, "minute": 36}
